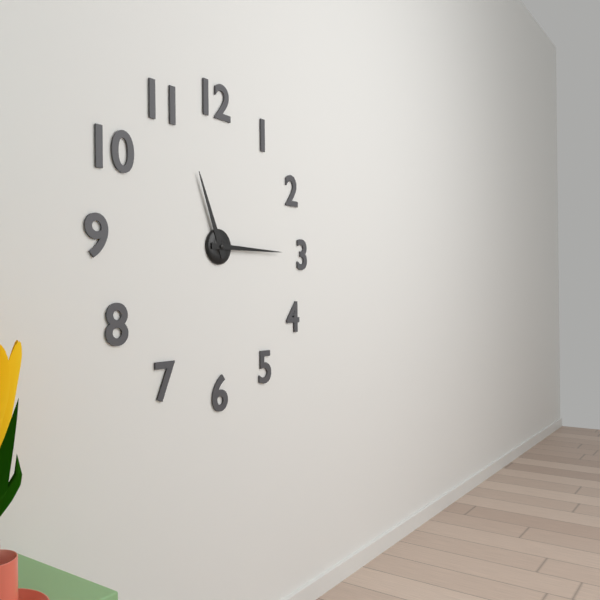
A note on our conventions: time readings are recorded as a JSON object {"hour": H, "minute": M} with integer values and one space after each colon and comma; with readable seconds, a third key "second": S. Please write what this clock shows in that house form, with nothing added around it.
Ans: {"hour": 11, "minute": 15}
